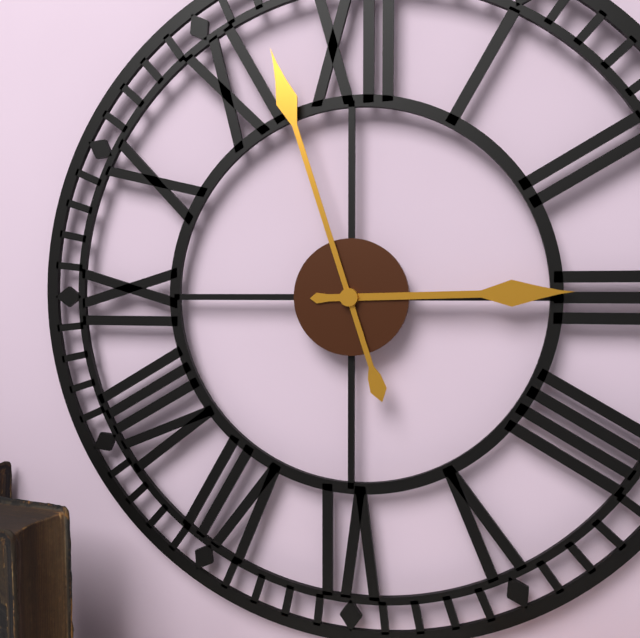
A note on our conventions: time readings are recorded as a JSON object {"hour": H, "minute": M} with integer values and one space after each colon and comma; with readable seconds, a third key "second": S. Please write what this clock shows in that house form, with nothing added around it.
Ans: {"hour": 2, "minute": 57}
